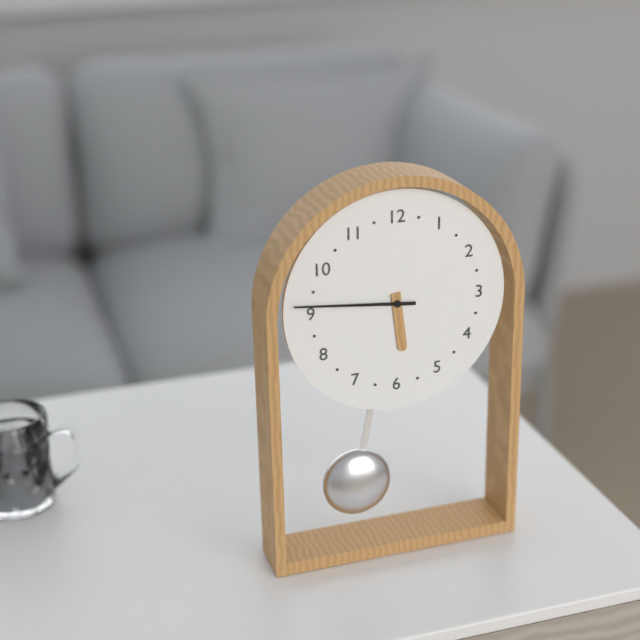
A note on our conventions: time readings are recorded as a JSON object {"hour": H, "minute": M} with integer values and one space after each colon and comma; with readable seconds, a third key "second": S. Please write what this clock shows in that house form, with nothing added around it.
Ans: {"hour": 5, "minute": 46}
